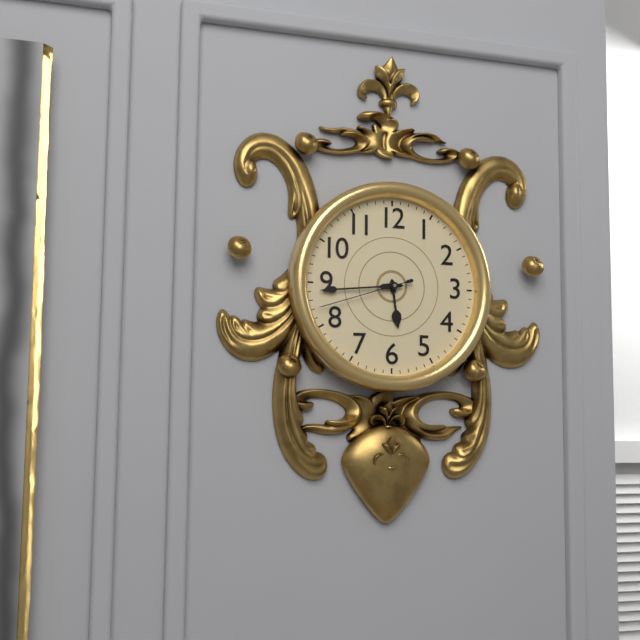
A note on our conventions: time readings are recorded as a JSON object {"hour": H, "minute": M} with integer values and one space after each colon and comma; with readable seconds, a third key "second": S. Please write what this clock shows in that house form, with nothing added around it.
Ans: {"hour": 5, "minute": 44, "second": 42}
